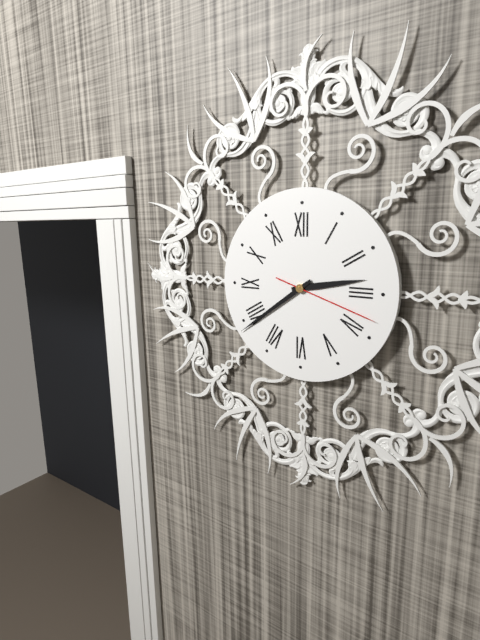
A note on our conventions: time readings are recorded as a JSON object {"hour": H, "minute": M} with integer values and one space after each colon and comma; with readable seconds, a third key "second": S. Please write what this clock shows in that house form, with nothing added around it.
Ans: {"hour": 2, "minute": 39, "second": 18}
